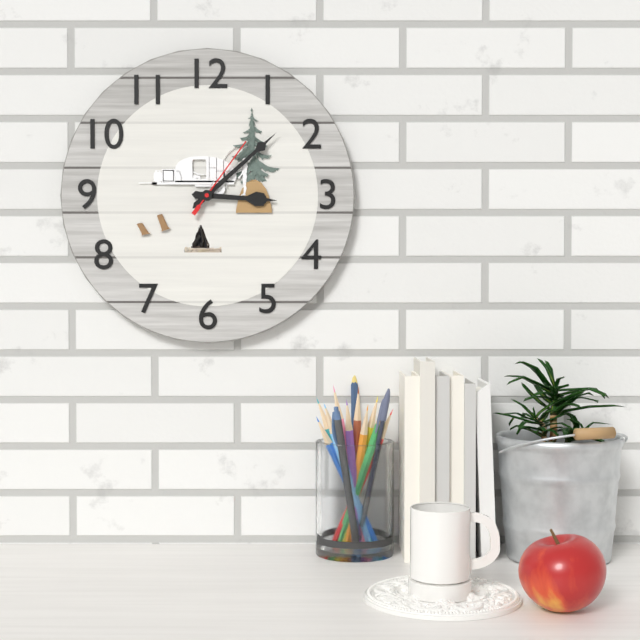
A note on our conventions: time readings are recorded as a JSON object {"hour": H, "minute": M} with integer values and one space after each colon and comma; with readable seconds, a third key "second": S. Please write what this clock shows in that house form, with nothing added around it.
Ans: {"hour": 3, "minute": 8, "second": 6}
